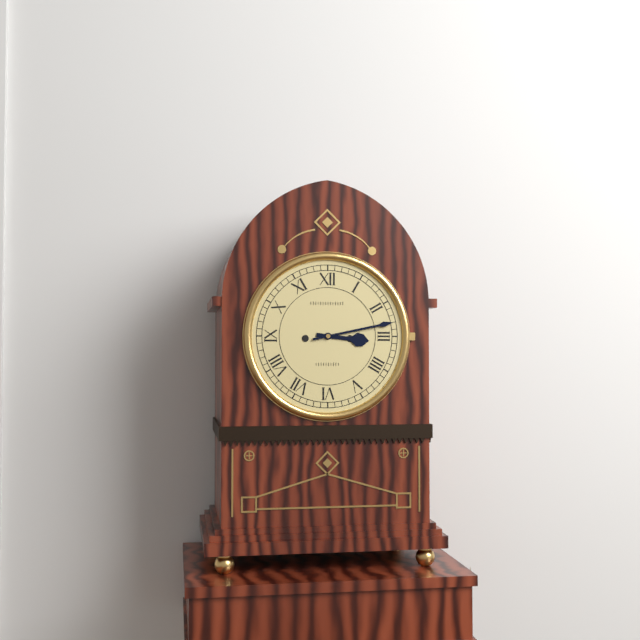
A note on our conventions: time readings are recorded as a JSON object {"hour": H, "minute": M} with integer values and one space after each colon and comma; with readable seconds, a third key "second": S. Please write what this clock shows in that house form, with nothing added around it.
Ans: {"hour": 3, "minute": 13}
